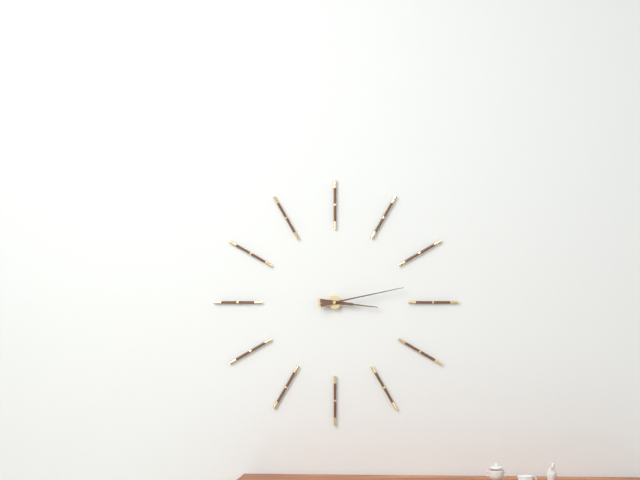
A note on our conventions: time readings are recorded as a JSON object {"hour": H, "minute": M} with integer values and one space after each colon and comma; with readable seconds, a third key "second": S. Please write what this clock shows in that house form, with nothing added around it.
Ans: {"hour": 3, "minute": 13}
